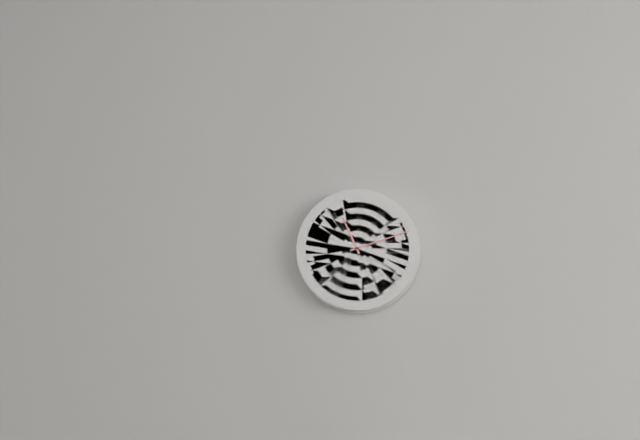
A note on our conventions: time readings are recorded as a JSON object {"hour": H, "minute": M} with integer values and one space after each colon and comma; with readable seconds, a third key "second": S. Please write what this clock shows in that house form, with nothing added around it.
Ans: {"hour": 11, "minute": 12}
